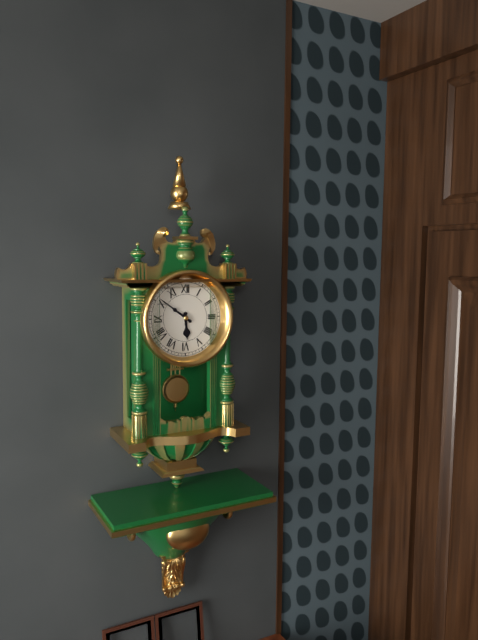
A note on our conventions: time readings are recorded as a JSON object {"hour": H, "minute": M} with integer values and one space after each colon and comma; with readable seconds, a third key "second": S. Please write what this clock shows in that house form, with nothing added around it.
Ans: {"hour": 5, "minute": 51}
